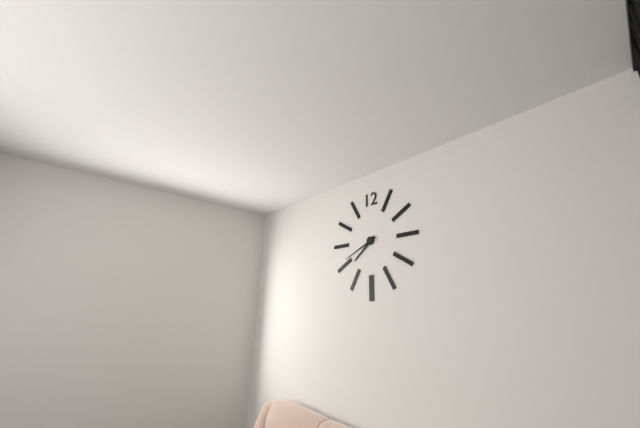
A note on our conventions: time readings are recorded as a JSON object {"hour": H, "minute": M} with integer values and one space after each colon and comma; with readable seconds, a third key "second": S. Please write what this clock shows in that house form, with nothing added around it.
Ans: {"hour": 7, "minute": 41}
